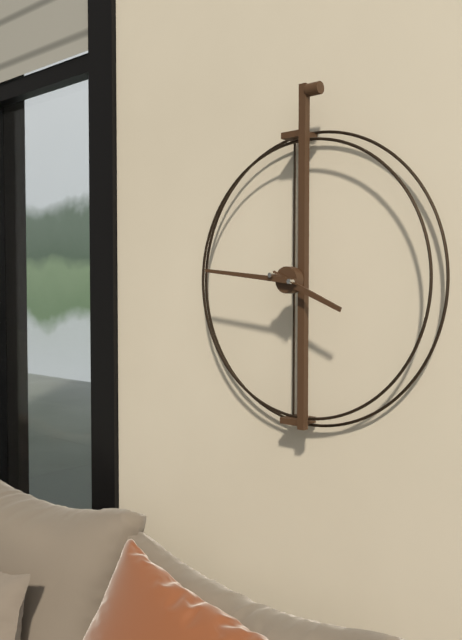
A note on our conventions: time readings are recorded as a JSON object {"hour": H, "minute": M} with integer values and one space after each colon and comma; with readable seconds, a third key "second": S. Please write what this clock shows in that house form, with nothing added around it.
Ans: {"hour": 3, "minute": 46}
